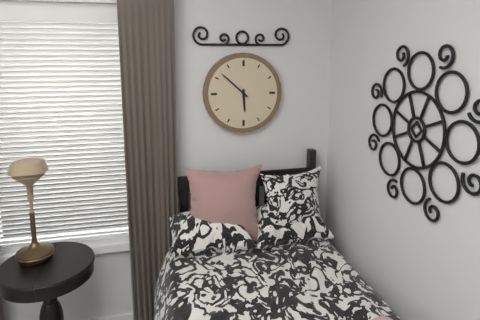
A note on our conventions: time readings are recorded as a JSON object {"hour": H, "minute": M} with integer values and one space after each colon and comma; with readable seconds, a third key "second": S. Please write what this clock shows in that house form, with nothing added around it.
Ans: {"hour": 5, "minute": 52}
